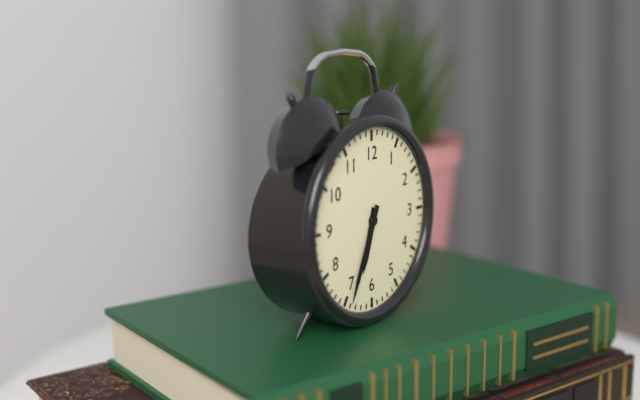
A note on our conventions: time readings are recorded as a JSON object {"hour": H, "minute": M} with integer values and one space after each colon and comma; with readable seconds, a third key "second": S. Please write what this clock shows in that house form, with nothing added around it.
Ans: {"hour": 6, "minute": 34}
